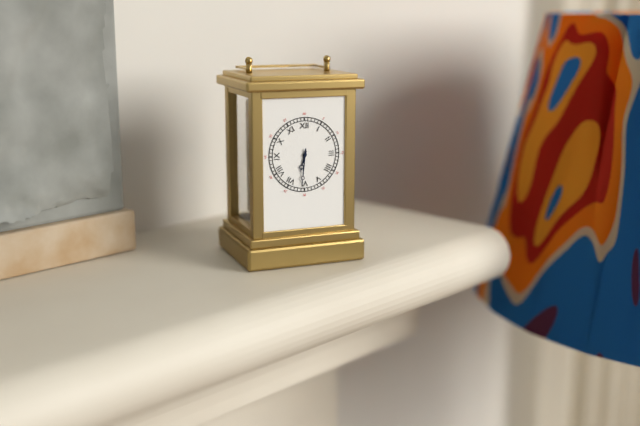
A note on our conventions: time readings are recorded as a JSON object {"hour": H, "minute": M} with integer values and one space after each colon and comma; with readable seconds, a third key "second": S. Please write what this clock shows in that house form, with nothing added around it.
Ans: {"hour": 6, "minute": 31}
